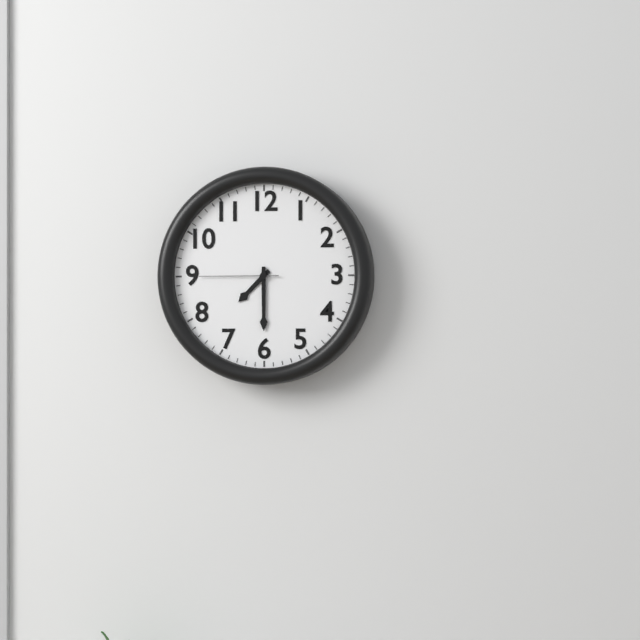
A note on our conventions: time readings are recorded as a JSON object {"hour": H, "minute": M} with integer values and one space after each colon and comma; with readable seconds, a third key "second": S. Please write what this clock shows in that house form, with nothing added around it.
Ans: {"hour": 7, "minute": 30, "second": 45}
